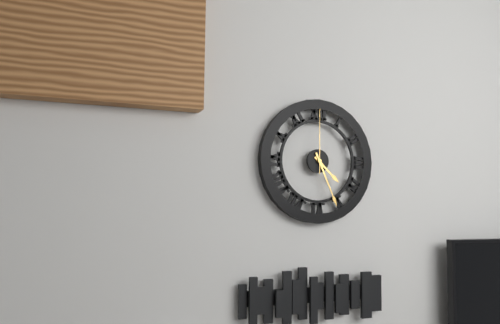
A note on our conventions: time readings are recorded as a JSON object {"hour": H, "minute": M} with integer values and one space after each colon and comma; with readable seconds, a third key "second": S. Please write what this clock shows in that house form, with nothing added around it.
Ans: {"hour": 4, "minute": 26, "second": 0}
